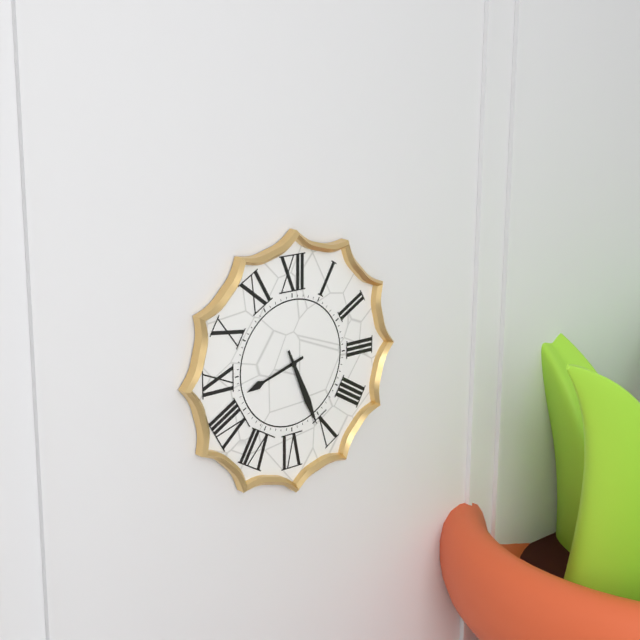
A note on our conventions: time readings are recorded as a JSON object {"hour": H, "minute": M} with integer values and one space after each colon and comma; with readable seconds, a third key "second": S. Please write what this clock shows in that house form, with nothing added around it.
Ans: {"hour": 8, "minute": 26}
